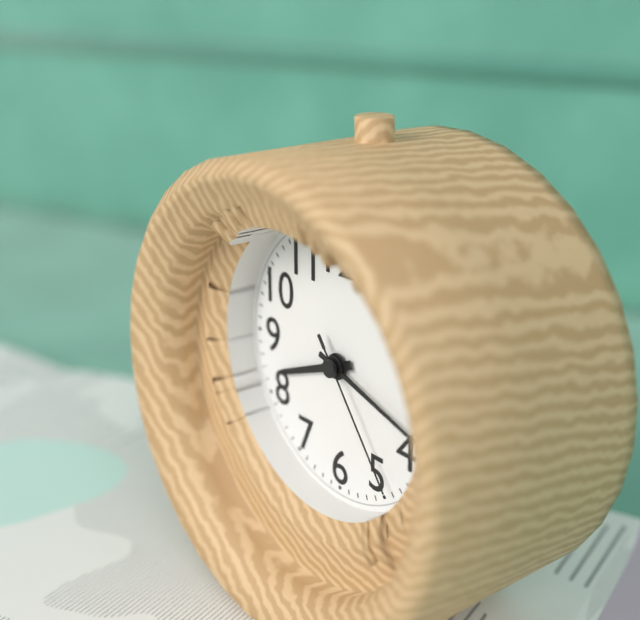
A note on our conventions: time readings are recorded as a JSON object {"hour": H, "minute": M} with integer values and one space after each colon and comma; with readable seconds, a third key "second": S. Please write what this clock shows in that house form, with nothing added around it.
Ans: {"hour": 8, "minute": 18, "second": 24}
